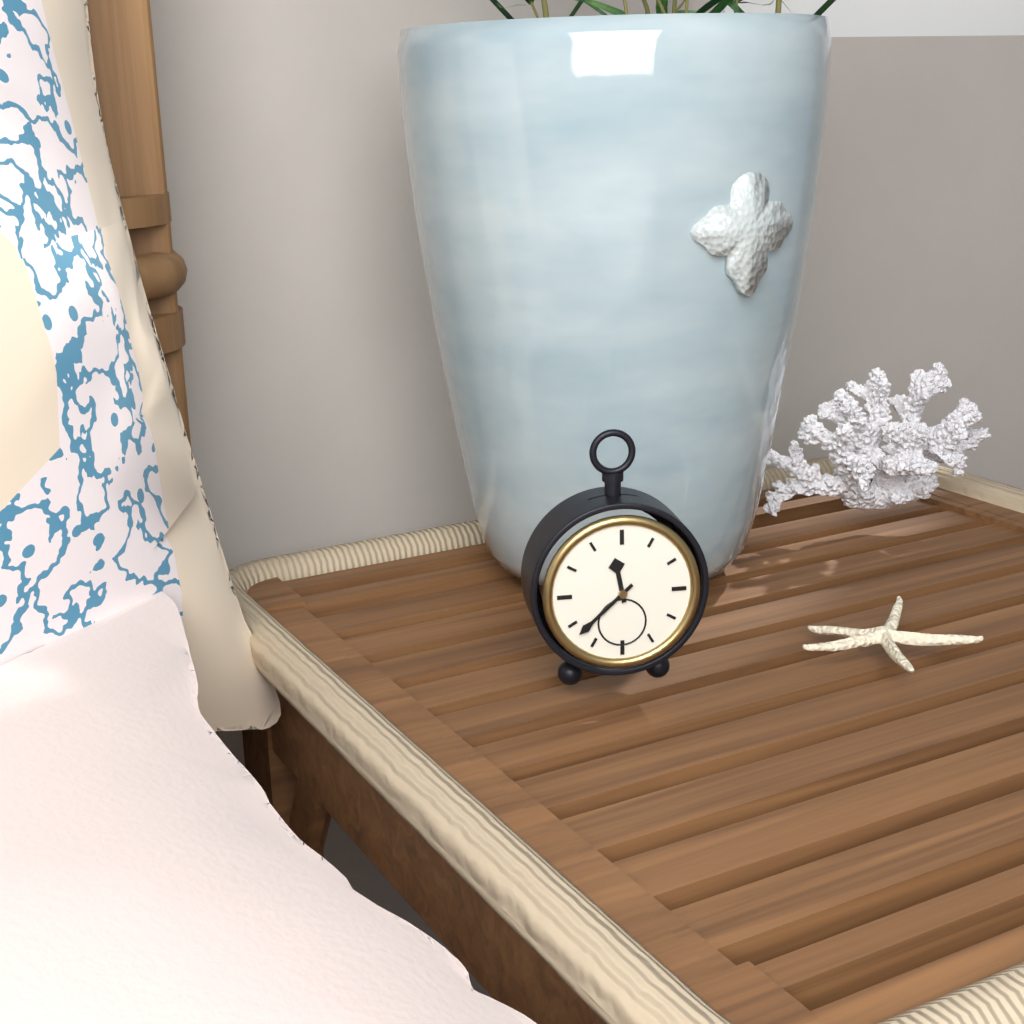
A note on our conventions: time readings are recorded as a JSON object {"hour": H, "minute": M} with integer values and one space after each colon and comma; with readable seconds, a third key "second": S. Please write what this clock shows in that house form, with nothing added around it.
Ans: {"hour": 11, "minute": 38}
